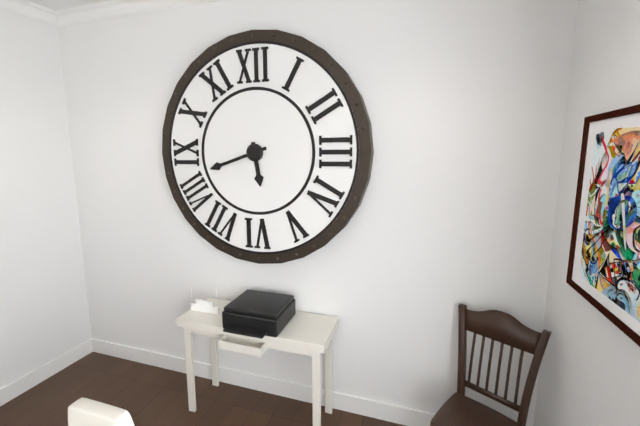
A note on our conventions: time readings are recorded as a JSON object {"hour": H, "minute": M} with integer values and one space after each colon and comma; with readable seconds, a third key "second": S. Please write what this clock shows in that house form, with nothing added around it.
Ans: {"hour": 5, "minute": 42}
